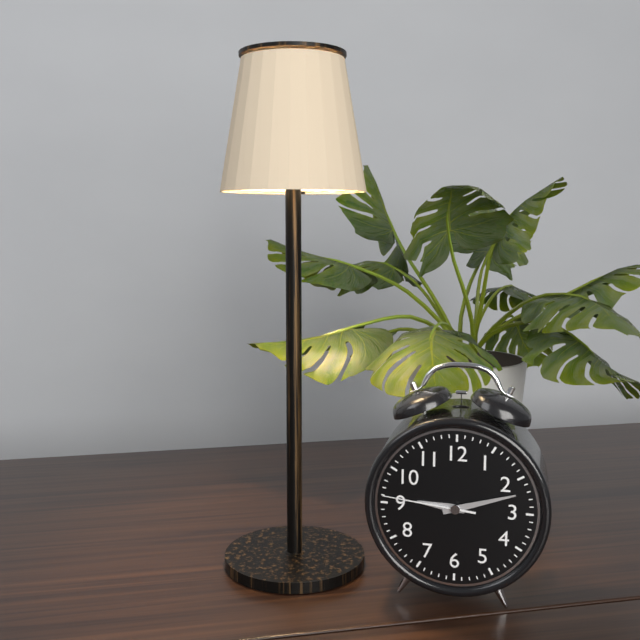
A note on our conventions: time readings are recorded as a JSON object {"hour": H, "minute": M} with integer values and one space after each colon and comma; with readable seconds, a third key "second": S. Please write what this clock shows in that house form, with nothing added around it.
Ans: {"hour": 9, "minute": 12, "second": 46}
